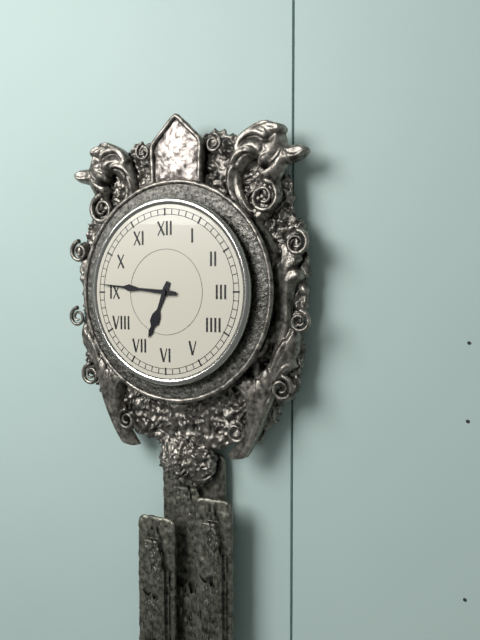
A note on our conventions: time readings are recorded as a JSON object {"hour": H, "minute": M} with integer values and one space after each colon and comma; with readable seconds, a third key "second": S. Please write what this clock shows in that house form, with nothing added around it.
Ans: {"hour": 6, "minute": 46}
